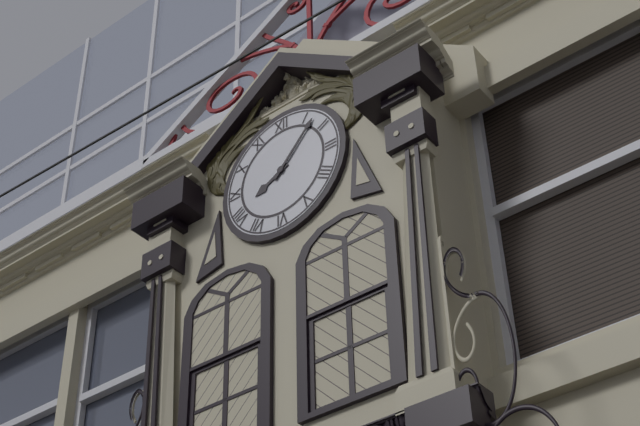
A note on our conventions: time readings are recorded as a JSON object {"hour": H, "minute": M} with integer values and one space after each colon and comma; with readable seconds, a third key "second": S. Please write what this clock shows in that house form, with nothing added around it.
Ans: {"hour": 8, "minute": 7}
